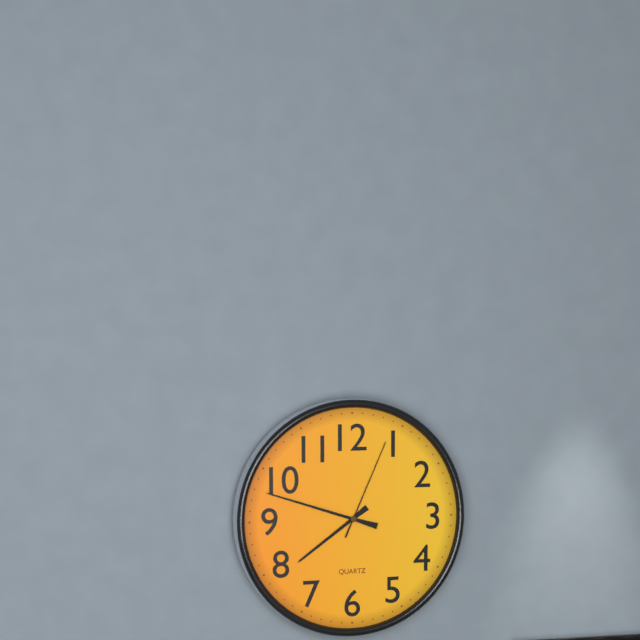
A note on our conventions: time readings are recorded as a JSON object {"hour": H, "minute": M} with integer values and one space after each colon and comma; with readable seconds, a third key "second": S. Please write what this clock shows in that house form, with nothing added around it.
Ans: {"hour": 7, "minute": 48, "second": 4}
